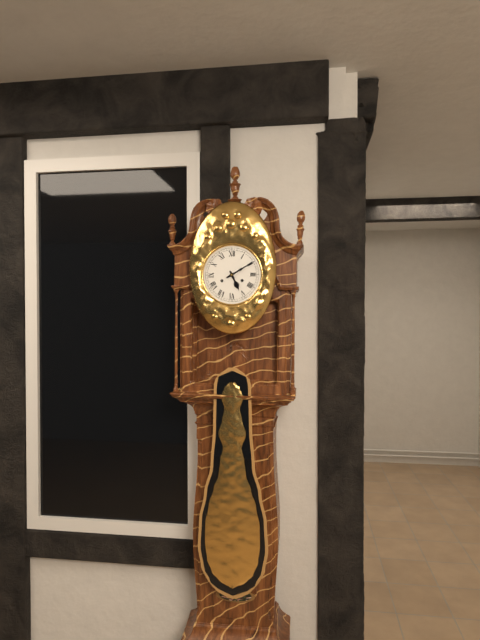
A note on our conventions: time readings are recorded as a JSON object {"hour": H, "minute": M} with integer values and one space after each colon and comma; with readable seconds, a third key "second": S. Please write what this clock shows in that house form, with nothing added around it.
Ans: {"hour": 5, "minute": 10}
